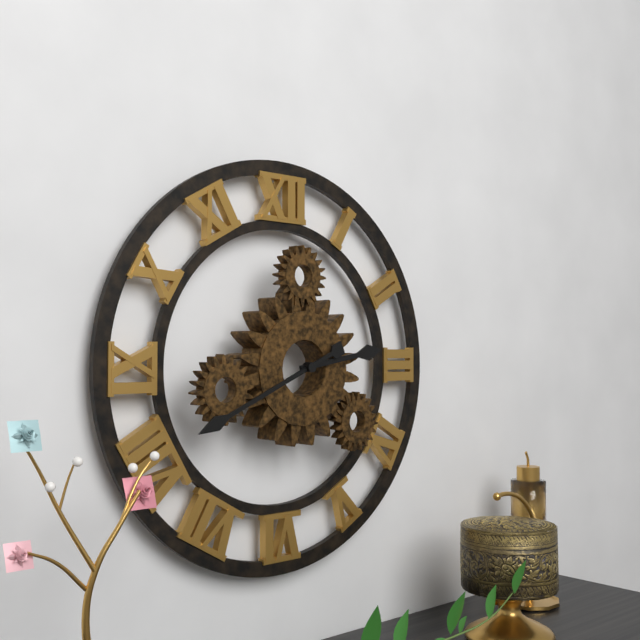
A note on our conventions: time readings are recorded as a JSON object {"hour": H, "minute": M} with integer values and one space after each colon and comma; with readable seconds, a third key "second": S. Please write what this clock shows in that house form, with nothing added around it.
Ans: {"hour": 2, "minute": 41}
